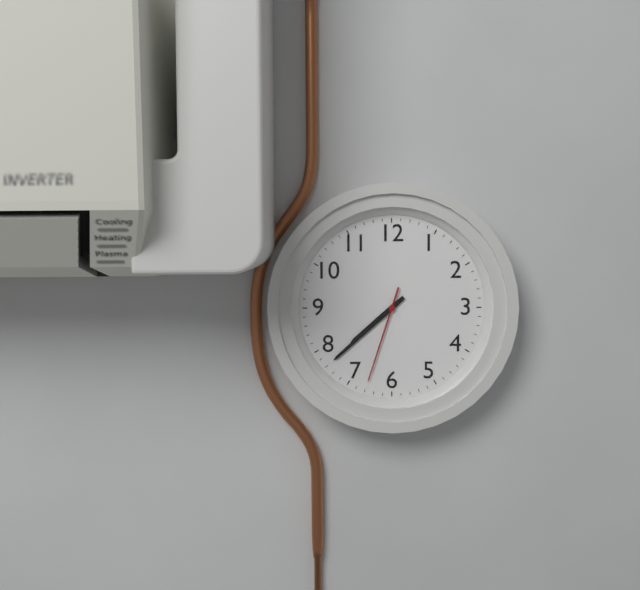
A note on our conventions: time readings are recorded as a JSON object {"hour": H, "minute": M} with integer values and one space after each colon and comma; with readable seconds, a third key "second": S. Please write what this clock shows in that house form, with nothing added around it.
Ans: {"hour": 7, "minute": 38, "second": 33}
